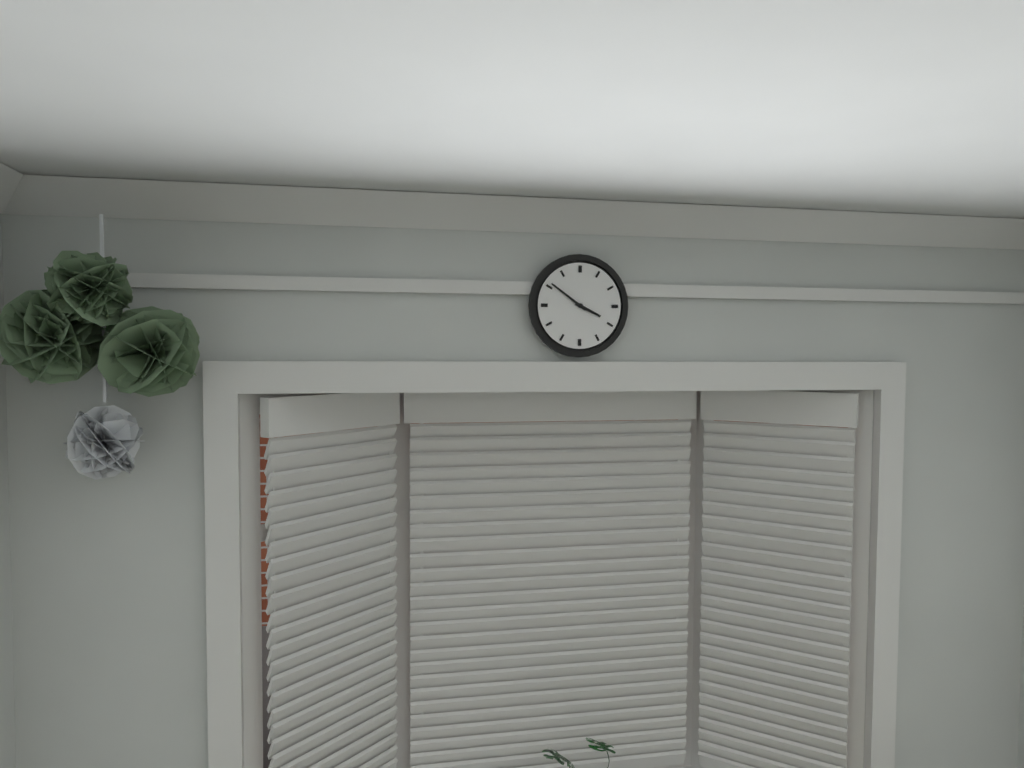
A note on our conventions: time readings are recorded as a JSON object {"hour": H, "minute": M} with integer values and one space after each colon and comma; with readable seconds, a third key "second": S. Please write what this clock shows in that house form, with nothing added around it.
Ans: {"hour": 3, "minute": 51}
